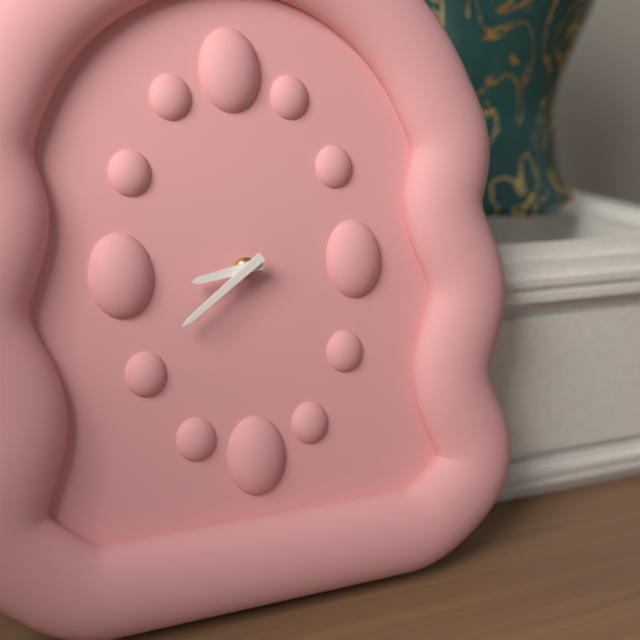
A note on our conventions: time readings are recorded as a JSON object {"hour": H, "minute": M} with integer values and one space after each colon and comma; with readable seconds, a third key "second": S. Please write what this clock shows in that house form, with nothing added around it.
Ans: {"hour": 8, "minute": 39}
